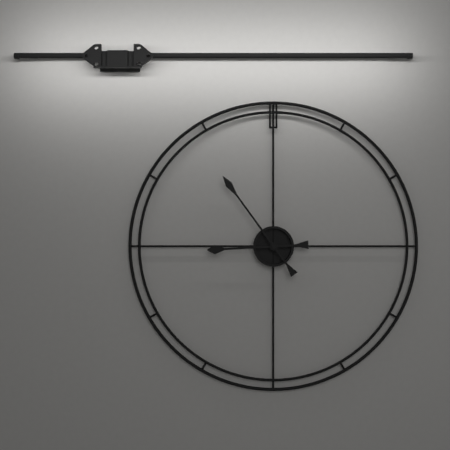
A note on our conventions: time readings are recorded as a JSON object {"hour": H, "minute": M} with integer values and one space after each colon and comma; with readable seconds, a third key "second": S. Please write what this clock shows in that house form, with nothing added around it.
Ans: {"hour": 8, "minute": 54}
